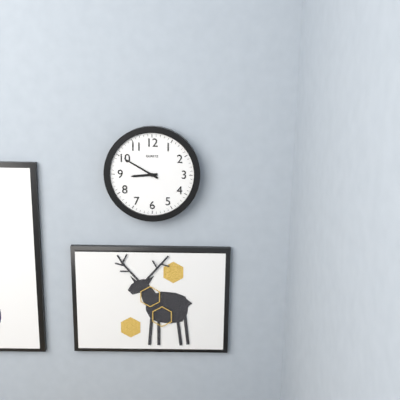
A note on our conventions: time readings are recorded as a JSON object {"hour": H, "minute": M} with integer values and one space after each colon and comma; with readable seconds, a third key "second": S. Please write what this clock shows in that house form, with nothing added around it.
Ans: {"hour": 8, "minute": 50}
